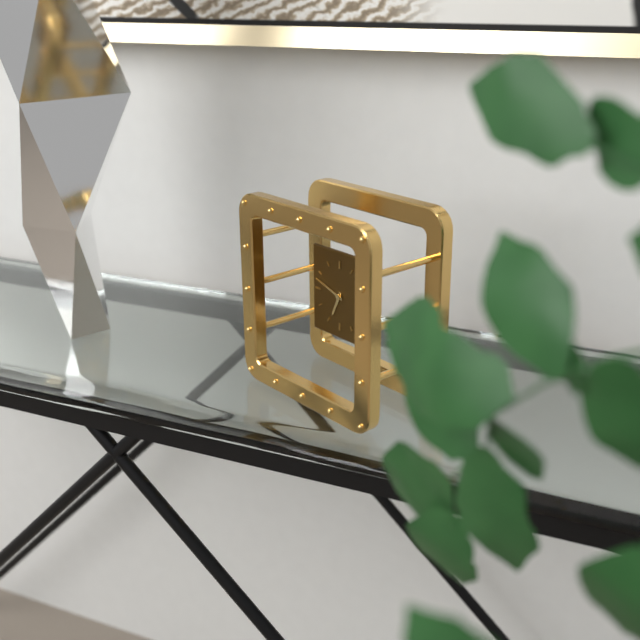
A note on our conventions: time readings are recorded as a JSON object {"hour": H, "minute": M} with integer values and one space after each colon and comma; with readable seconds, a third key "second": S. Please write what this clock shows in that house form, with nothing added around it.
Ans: {"hour": 6, "minute": 48}
